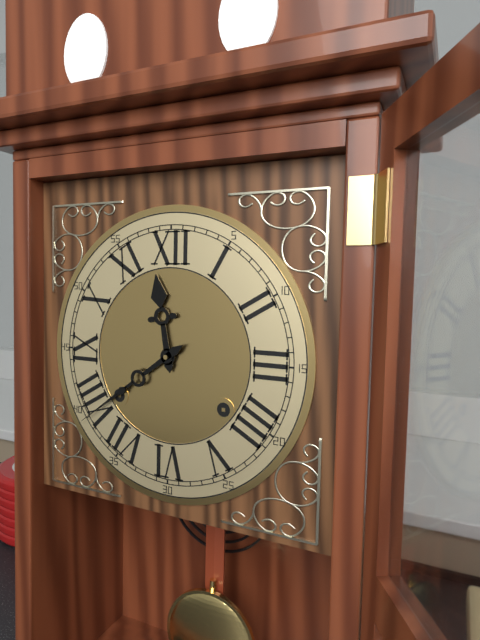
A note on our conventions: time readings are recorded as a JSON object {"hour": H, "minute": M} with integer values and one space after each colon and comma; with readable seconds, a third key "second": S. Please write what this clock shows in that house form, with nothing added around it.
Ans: {"hour": 11, "minute": 39}
